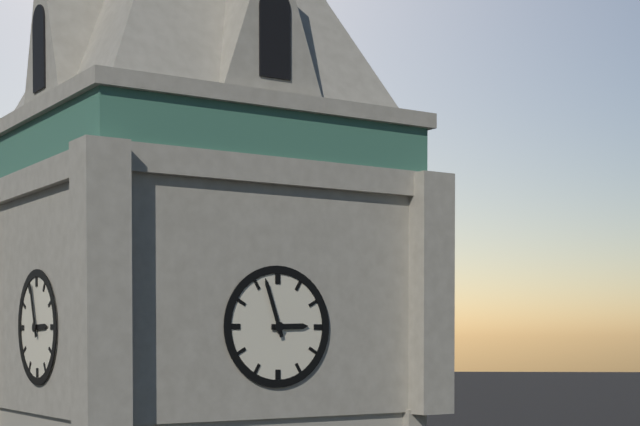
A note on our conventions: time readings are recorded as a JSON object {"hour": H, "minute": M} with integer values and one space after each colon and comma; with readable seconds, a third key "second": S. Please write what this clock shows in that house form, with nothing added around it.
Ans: {"hour": 2, "minute": 57}
